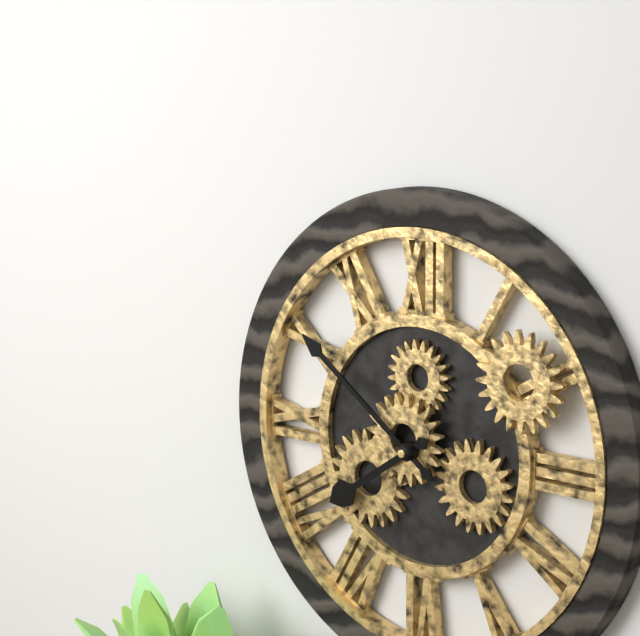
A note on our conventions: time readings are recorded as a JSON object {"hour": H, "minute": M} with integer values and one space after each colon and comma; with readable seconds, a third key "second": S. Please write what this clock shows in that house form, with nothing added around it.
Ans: {"hour": 7, "minute": 51}
